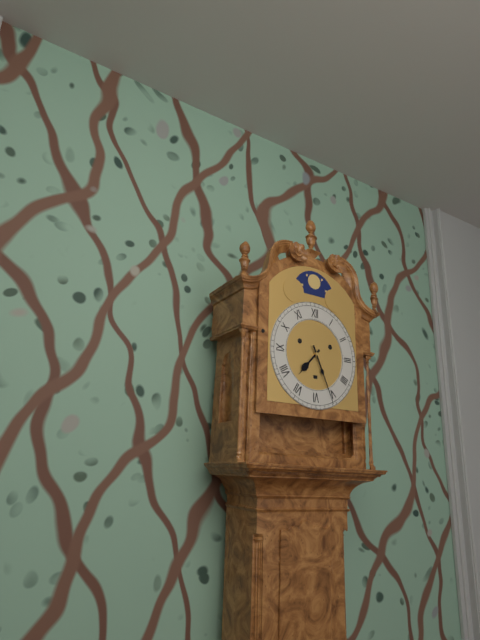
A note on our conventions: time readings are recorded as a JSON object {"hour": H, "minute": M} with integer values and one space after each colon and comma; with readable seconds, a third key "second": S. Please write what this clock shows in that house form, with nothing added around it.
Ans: {"hour": 7, "minute": 26}
